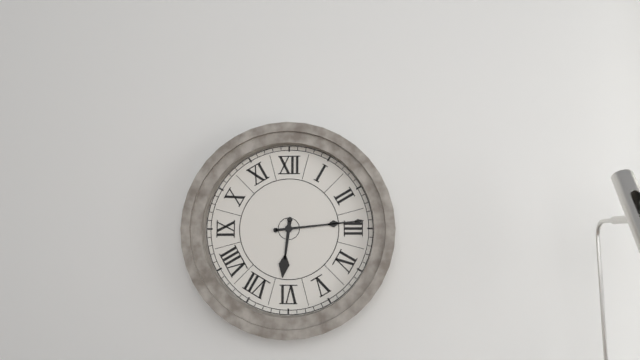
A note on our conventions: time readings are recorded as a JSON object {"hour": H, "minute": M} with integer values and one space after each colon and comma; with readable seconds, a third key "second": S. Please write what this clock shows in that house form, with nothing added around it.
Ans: {"hour": 6, "minute": 14}
